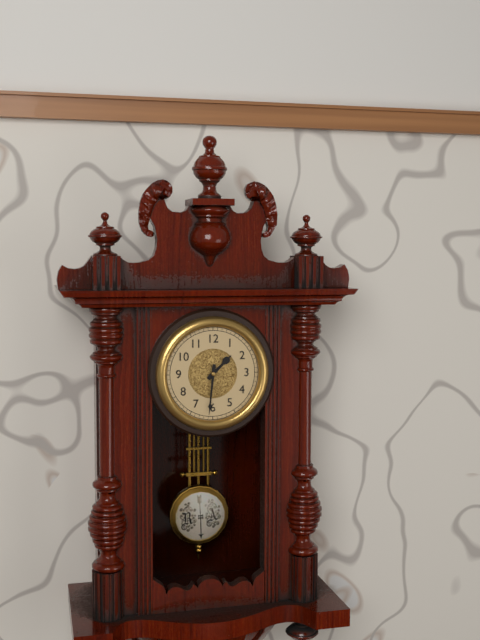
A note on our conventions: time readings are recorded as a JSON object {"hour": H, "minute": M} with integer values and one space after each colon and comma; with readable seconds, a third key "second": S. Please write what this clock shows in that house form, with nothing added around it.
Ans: {"hour": 1, "minute": 31}
